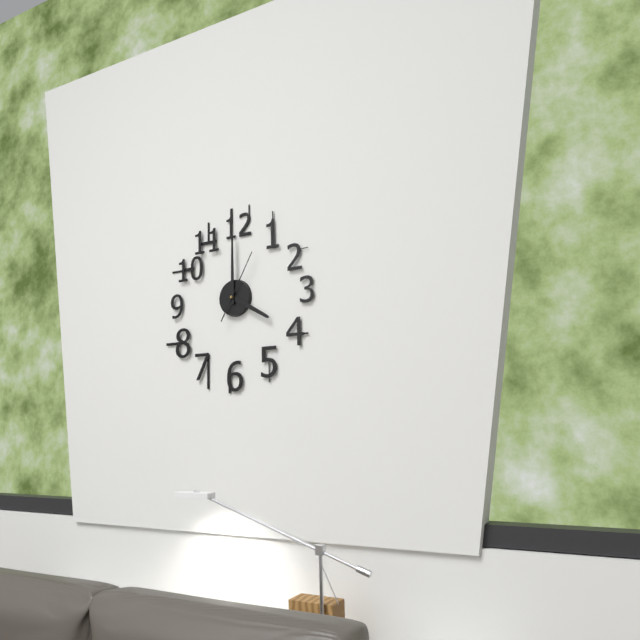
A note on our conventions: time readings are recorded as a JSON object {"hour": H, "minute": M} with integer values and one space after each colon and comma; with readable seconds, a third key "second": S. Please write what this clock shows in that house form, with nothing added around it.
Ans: {"hour": 4, "minute": 0, "second": 5}
